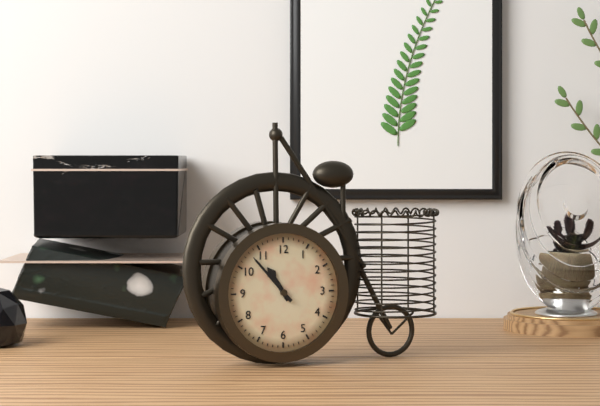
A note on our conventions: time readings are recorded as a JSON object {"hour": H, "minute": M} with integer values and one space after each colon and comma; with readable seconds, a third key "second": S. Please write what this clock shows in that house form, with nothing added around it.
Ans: {"hour": 10, "minute": 53}
